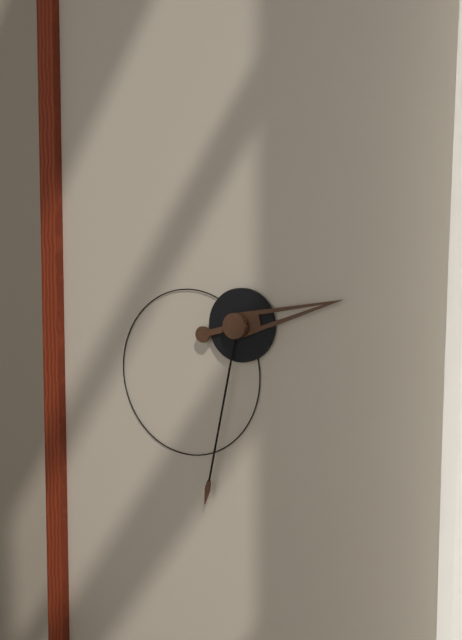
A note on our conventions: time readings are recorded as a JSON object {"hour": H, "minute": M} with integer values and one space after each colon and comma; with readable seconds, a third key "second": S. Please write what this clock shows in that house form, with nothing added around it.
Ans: {"hour": 2, "minute": 32}
